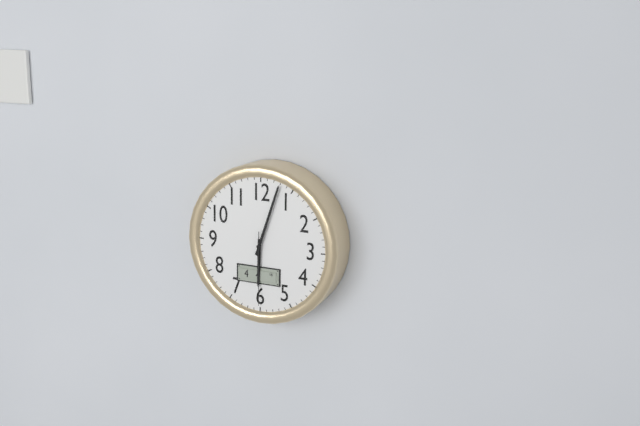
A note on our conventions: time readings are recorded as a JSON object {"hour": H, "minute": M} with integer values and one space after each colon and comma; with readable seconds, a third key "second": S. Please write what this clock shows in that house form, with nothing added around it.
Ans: {"hour": 6, "minute": 3, "second": 30}
